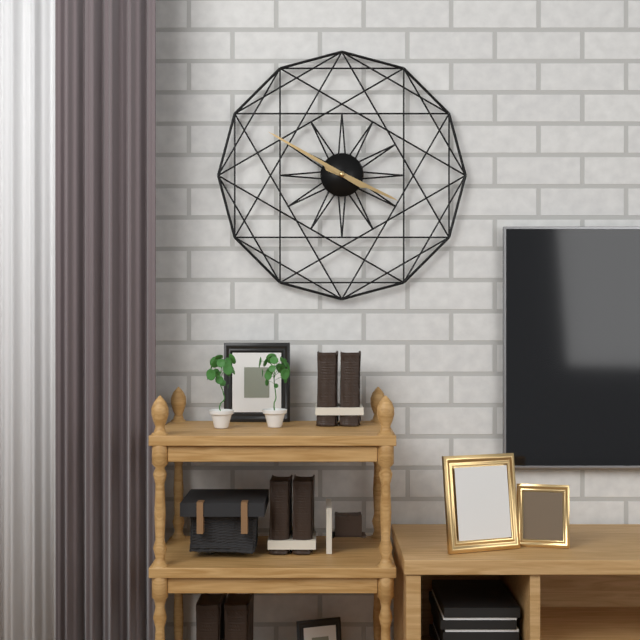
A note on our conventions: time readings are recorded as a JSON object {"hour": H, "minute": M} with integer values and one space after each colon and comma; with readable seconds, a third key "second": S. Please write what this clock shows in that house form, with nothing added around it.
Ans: {"hour": 3, "minute": 50}
